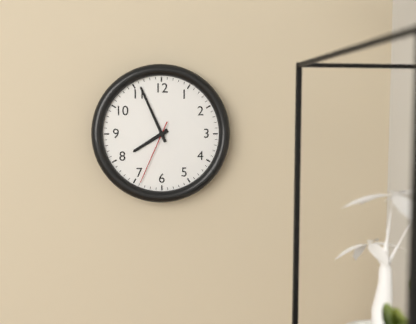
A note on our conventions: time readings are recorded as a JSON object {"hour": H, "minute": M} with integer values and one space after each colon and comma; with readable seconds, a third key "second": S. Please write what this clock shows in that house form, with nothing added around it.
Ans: {"hour": 7, "minute": 56, "second": 34}
